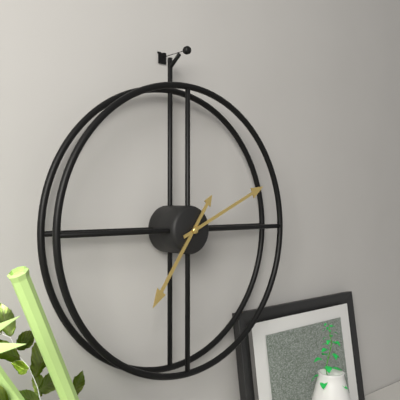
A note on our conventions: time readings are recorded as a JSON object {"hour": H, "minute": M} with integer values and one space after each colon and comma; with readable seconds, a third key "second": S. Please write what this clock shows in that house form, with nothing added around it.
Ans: {"hour": 7, "minute": 11}
